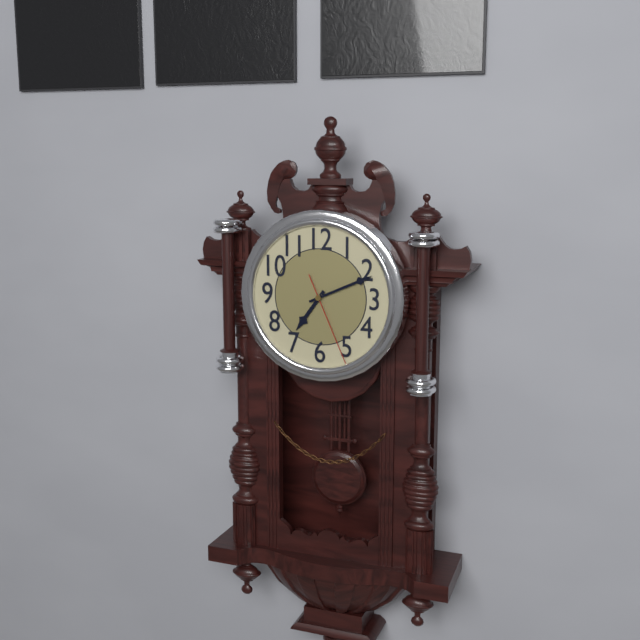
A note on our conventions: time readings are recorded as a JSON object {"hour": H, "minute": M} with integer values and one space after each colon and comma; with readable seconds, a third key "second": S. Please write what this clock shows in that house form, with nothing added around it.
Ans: {"hour": 7, "minute": 11, "second": 26}
